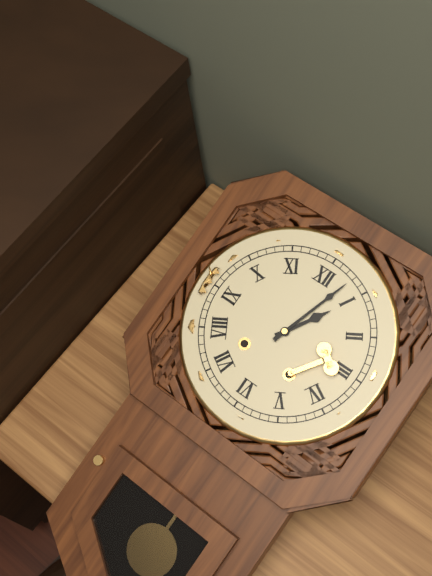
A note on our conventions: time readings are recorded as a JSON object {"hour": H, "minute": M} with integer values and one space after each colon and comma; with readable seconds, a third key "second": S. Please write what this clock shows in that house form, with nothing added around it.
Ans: {"hour": 1, "minute": 3}
